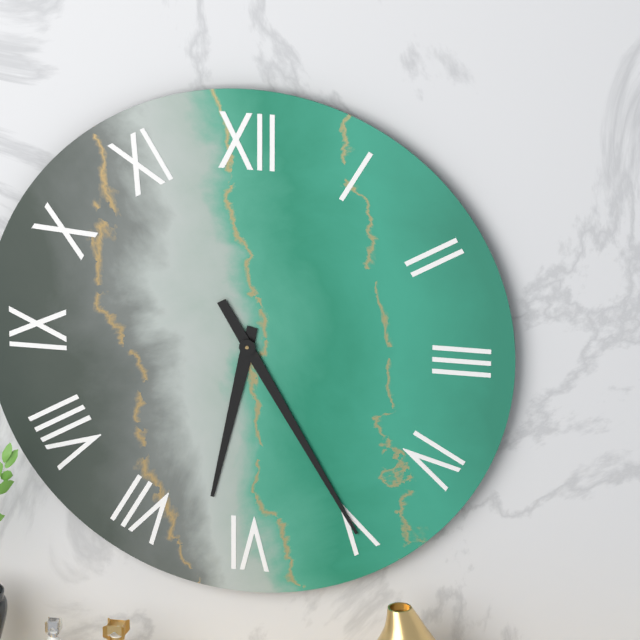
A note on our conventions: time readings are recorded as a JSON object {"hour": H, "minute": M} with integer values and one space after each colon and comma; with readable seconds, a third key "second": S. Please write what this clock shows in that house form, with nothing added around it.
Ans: {"hour": 6, "minute": 25}
